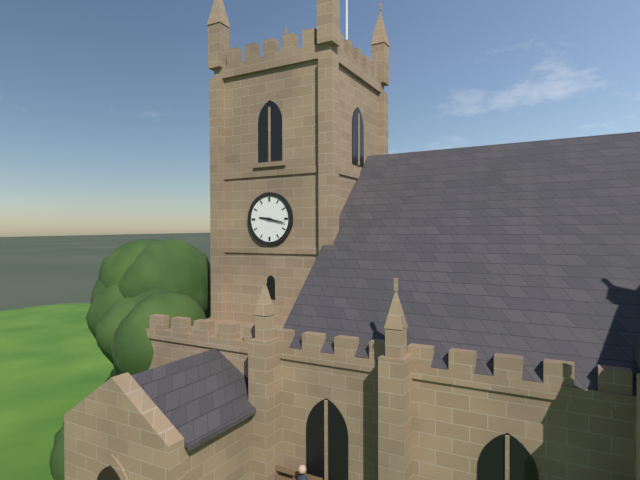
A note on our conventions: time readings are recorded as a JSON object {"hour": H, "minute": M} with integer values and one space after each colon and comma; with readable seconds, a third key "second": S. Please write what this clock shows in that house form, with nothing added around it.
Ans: {"hour": 9, "minute": 17}
